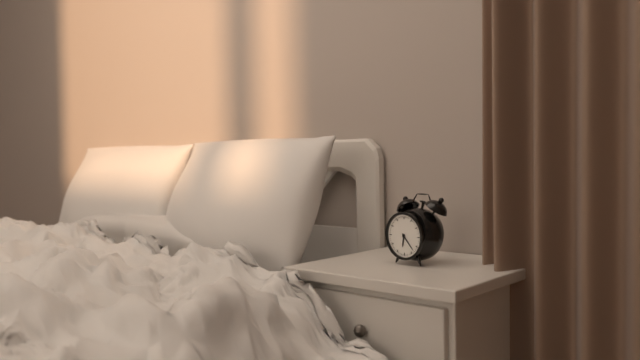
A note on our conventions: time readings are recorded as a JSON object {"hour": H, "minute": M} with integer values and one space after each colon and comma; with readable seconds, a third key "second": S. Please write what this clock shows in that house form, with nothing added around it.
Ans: {"hour": 6, "minute": 23}
